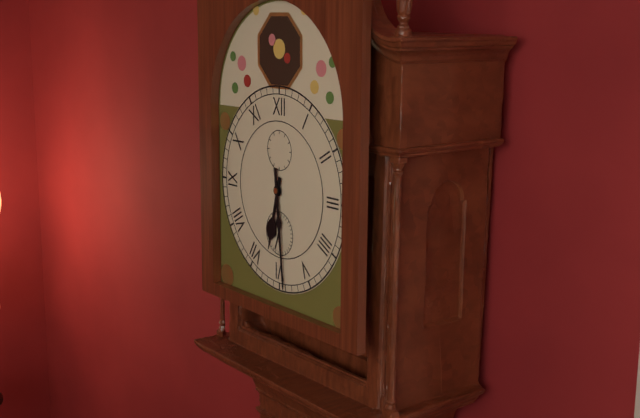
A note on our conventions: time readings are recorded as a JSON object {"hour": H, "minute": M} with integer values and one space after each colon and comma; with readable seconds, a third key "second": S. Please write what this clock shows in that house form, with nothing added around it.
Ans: {"hour": 6, "minute": 29}
